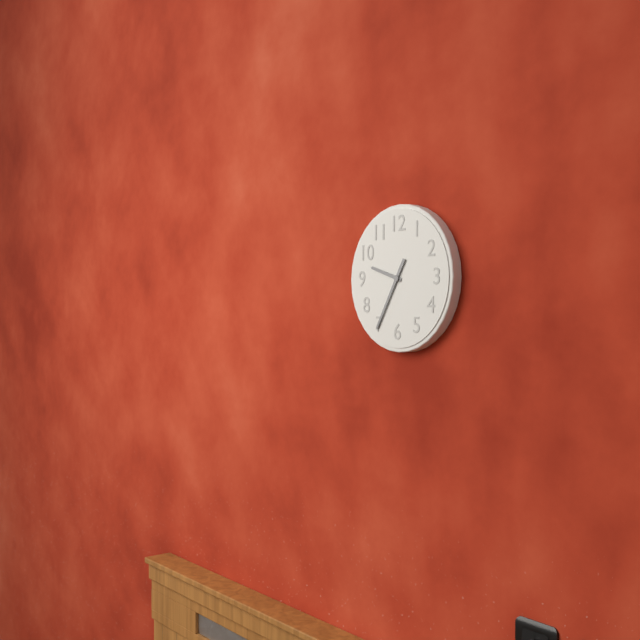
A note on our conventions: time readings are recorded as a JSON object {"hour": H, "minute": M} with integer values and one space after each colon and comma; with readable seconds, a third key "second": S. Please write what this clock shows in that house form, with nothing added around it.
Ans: {"hour": 9, "minute": 35}
